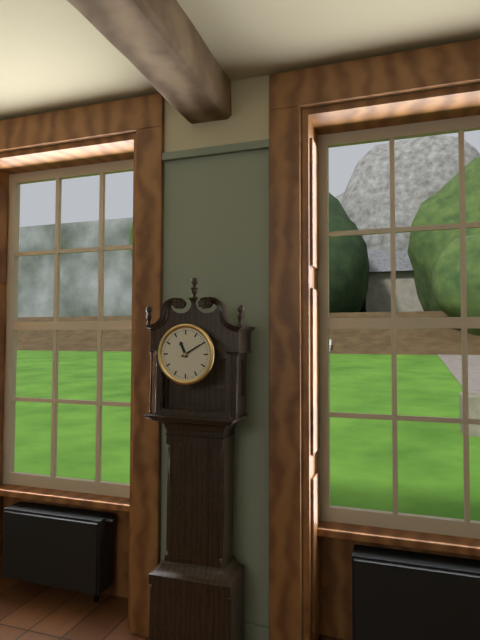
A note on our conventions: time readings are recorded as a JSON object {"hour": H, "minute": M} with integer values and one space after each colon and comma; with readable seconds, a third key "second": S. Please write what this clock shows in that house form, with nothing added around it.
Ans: {"hour": 11, "minute": 10}
